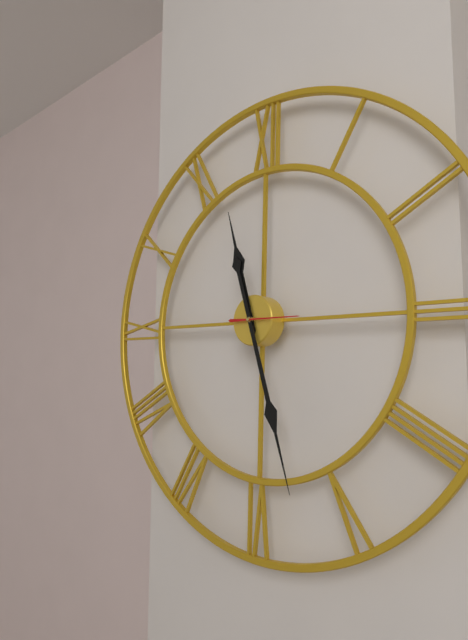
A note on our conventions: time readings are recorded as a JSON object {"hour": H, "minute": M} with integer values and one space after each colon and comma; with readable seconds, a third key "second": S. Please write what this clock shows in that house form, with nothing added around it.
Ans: {"hour": 11, "minute": 27}
